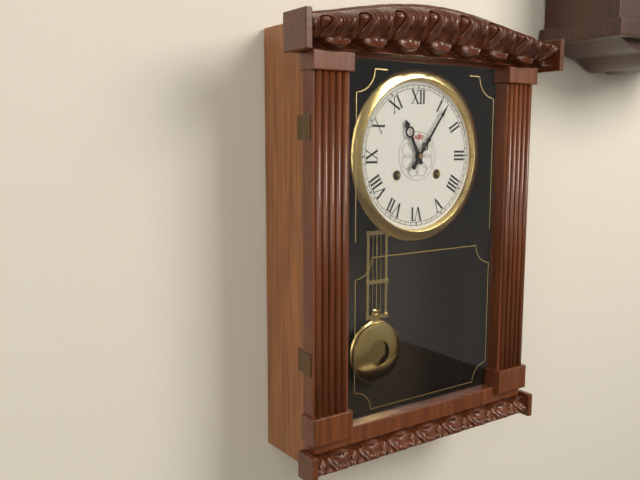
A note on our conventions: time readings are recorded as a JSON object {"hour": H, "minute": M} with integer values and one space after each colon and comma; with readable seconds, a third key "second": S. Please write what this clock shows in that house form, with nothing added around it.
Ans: {"hour": 11, "minute": 6}
